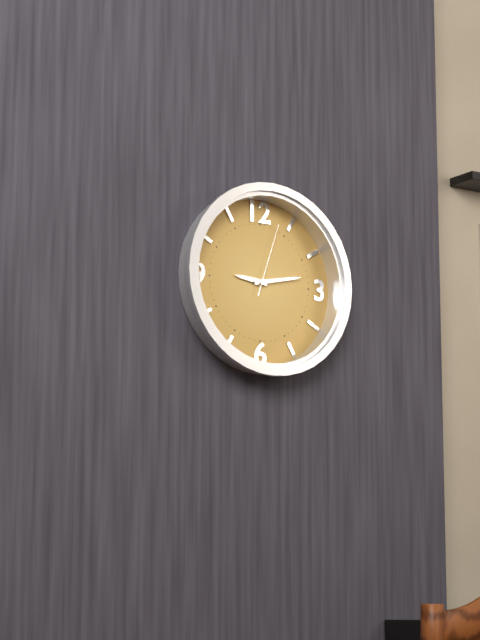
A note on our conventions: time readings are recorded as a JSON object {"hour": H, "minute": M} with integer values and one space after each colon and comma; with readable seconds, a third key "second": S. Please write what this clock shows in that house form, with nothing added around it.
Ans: {"hour": 9, "minute": 13, "second": 3}
